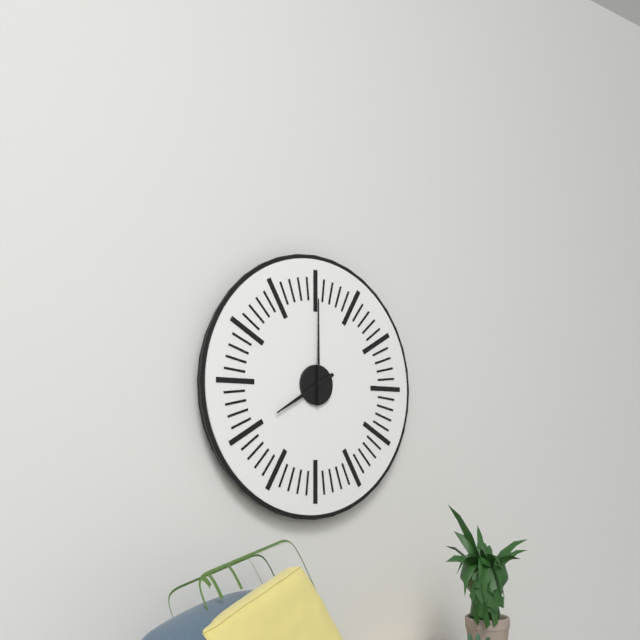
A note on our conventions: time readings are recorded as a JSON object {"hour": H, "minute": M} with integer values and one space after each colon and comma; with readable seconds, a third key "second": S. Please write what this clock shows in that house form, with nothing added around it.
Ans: {"hour": 8, "minute": 0}
